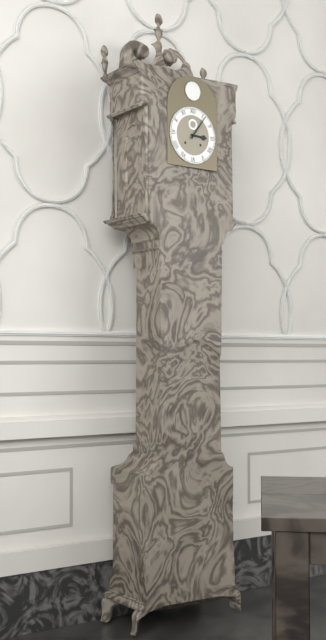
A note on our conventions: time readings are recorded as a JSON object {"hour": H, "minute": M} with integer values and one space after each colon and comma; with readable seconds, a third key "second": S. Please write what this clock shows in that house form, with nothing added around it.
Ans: {"hour": 3, "minute": 6}
